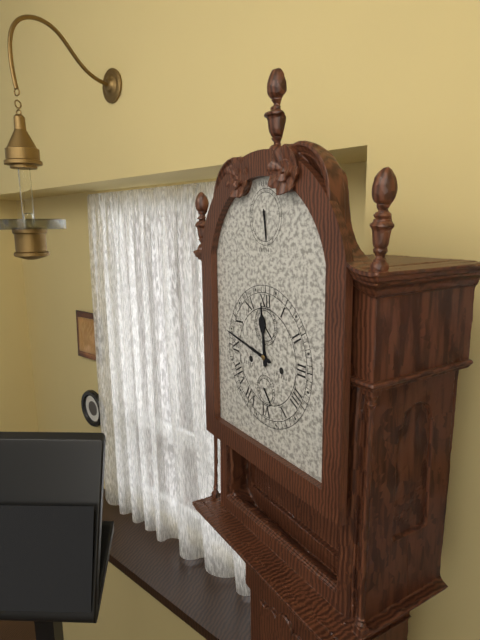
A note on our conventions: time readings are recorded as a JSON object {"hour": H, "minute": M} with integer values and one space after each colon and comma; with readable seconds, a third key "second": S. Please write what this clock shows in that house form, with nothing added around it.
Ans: {"hour": 11, "minute": 47}
